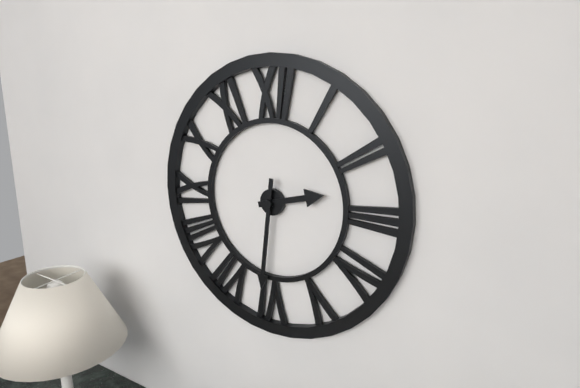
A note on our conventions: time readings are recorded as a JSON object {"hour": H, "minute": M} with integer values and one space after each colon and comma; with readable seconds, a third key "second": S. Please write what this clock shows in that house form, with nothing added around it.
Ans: {"hour": 2, "minute": 31}
